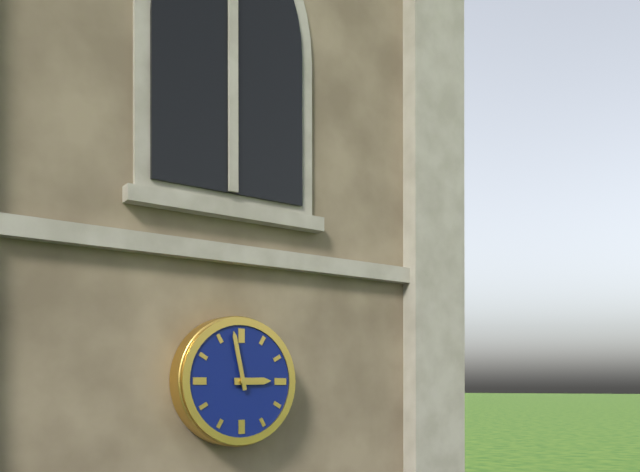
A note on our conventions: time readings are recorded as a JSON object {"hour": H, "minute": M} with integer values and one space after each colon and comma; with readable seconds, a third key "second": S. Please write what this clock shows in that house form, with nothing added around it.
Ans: {"hour": 2, "minute": 58}
